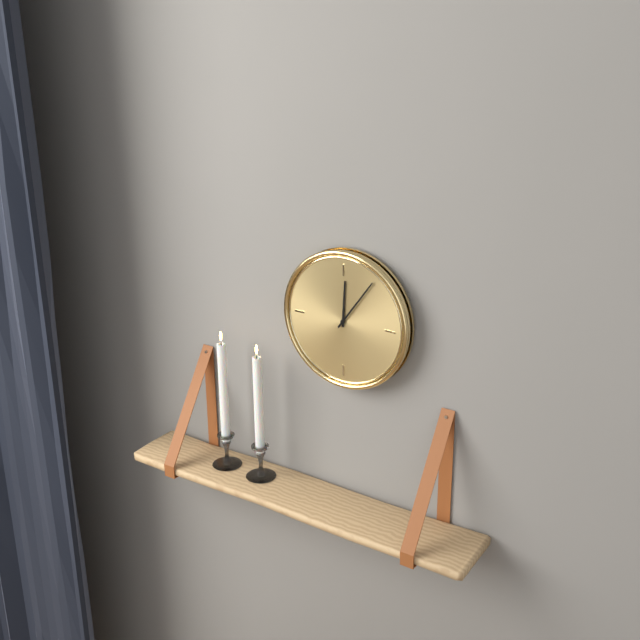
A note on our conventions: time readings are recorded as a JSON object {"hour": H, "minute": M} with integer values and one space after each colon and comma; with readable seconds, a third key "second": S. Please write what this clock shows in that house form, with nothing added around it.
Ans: {"hour": 12, "minute": 6}
